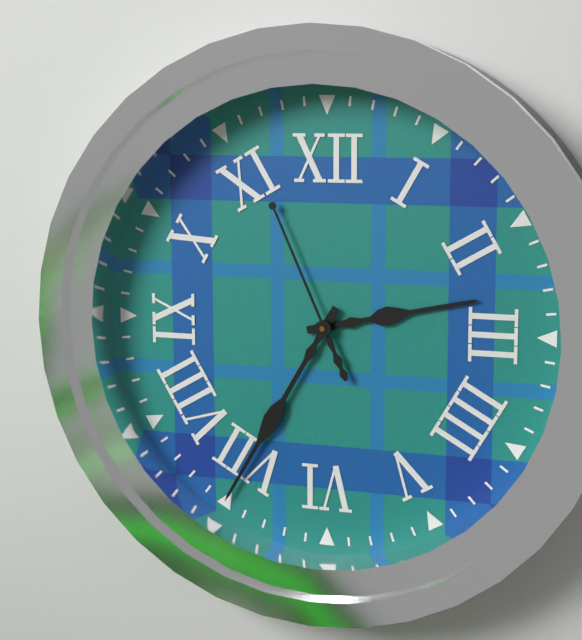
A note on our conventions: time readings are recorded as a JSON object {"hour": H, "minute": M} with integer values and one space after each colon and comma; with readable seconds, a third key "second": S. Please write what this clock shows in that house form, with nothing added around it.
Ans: {"hour": 2, "minute": 35, "second": 56}
